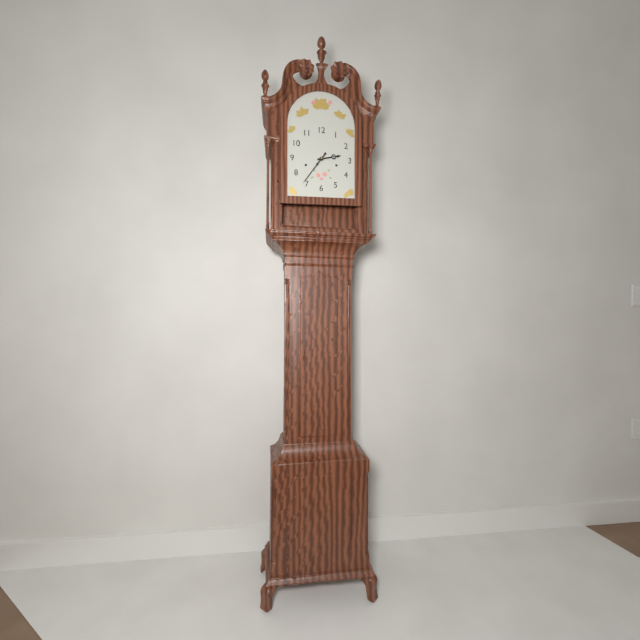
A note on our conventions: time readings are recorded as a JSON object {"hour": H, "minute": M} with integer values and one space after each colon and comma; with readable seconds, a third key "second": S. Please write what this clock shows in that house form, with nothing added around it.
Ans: {"hour": 2, "minute": 36}
